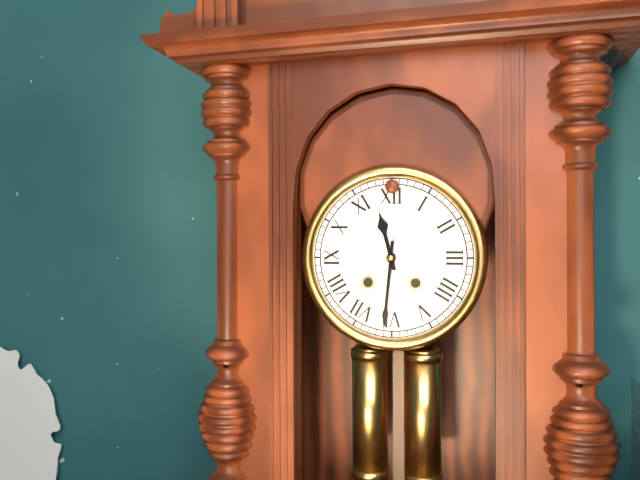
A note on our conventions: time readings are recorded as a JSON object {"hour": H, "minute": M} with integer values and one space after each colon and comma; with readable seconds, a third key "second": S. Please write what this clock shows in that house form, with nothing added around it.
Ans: {"hour": 11, "minute": 31}
